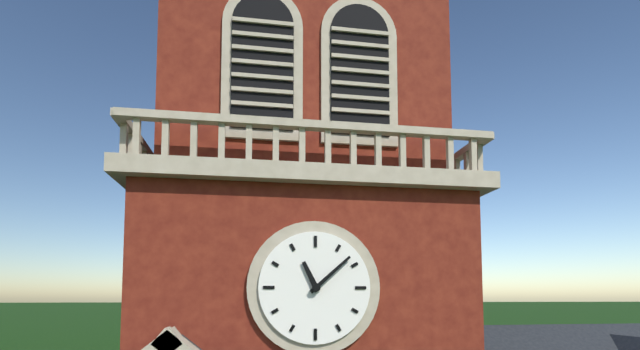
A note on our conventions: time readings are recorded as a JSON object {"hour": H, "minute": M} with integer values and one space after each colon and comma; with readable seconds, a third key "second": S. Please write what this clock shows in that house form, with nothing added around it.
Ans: {"hour": 11, "minute": 8}
